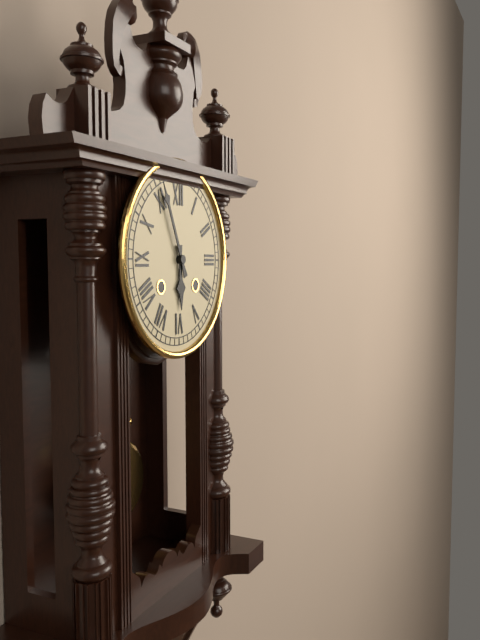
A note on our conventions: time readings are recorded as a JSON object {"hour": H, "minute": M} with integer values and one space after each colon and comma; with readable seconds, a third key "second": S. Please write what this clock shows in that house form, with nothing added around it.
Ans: {"hour": 5, "minute": 56}
